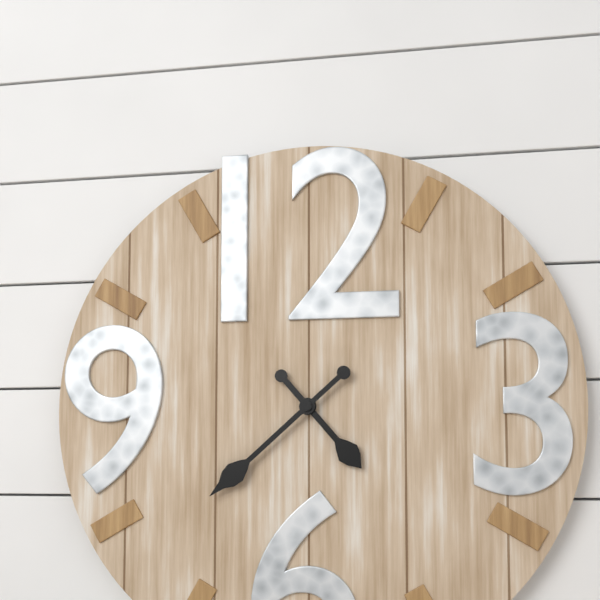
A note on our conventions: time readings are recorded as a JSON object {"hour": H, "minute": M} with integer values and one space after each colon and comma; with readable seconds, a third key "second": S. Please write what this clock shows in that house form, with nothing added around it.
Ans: {"hour": 4, "minute": 38}
